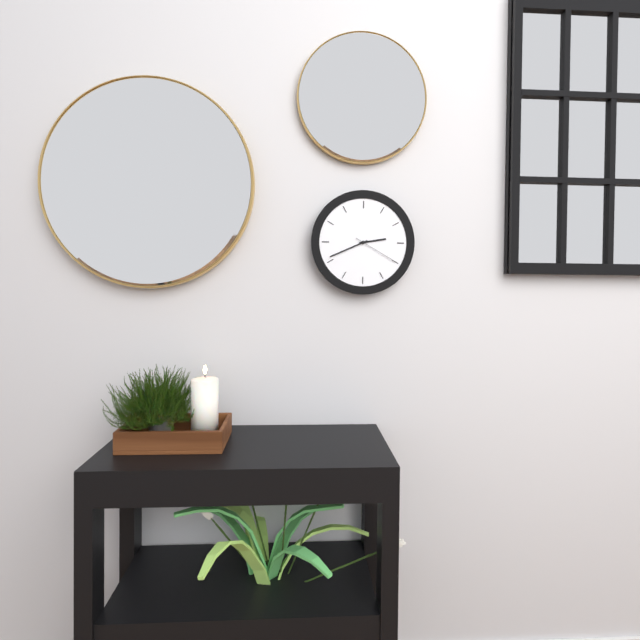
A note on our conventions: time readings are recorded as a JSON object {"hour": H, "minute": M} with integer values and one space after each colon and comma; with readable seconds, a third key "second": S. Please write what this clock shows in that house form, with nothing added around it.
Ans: {"hour": 2, "minute": 41}
